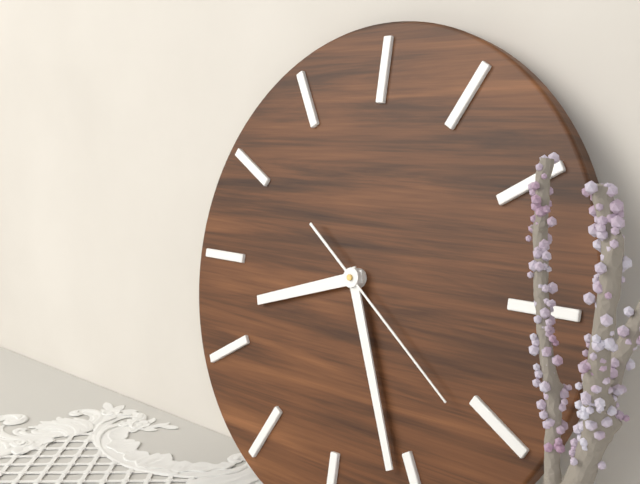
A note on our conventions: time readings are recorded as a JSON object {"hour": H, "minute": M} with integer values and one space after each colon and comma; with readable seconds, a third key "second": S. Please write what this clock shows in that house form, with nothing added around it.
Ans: {"hour": 8, "minute": 26, "second": 21}
